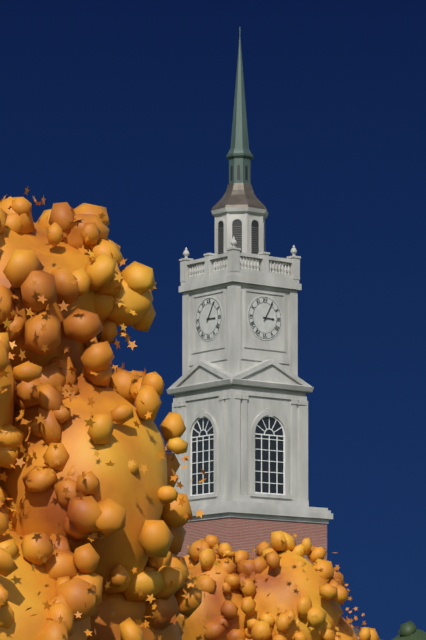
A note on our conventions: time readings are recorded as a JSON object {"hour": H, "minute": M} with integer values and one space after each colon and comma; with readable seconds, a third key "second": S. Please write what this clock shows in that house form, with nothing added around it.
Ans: {"hour": 3, "minute": 5}
